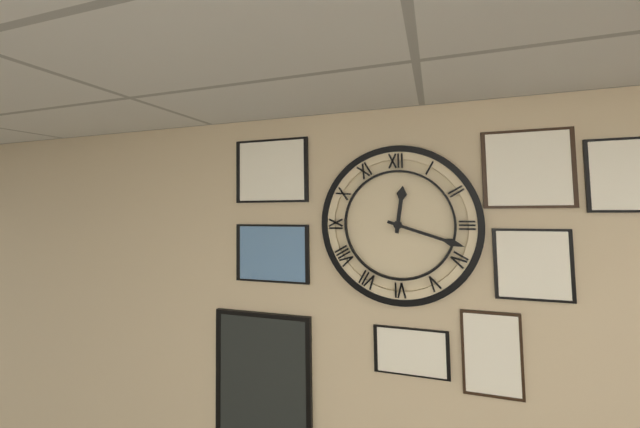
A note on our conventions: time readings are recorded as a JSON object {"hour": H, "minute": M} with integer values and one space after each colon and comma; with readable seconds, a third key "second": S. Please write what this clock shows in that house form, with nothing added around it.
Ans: {"hour": 12, "minute": 18}
